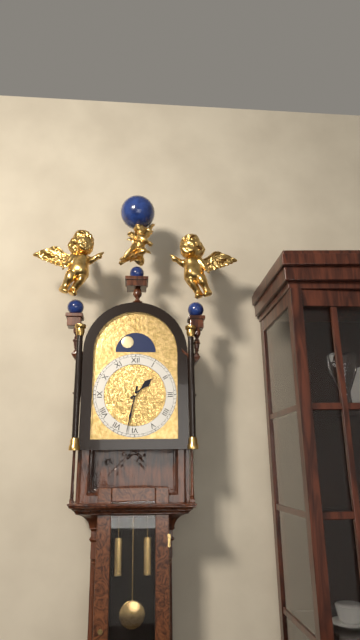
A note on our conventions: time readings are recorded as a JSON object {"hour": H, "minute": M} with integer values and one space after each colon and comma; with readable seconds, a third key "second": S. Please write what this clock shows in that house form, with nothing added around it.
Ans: {"hour": 1, "minute": 32}
